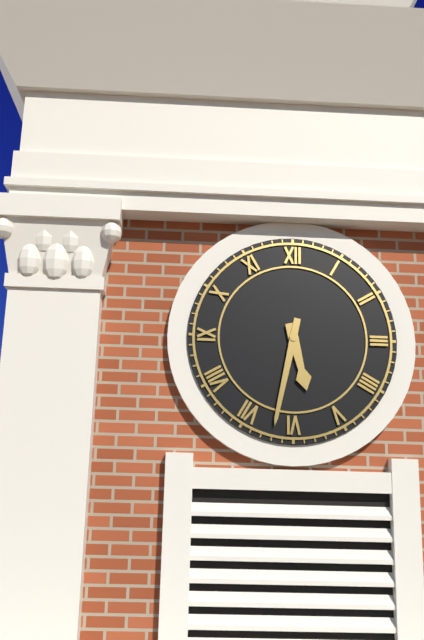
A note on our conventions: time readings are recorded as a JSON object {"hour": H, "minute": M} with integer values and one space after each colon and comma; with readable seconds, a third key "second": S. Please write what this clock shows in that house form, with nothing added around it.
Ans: {"hour": 5, "minute": 32}
